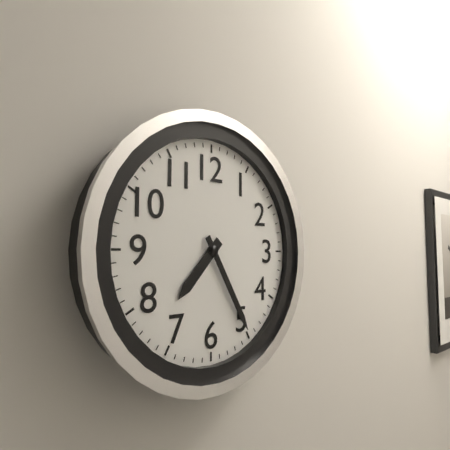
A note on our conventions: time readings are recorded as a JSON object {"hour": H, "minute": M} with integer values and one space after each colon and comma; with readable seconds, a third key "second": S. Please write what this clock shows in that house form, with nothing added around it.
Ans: {"hour": 7, "minute": 25}
